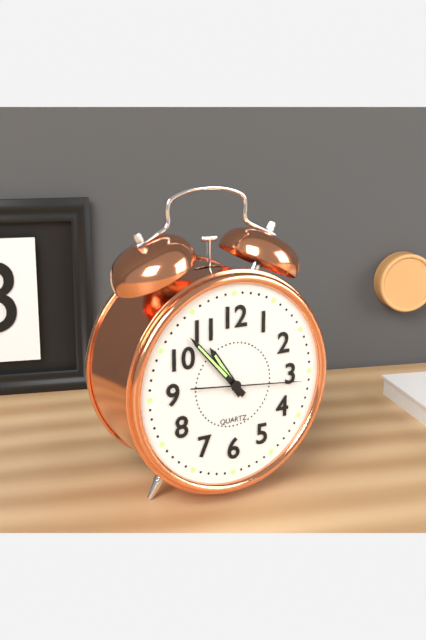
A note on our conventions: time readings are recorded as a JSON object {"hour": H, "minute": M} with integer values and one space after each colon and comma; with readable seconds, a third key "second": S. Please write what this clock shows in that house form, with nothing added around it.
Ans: {"hour": 10, "minute": 53, "second": 16}
